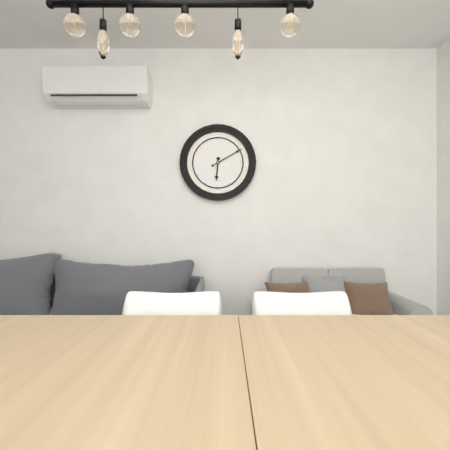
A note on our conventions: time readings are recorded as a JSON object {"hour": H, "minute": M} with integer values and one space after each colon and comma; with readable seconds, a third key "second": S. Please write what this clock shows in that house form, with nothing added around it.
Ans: {"hour": 6, "minute": 10}
